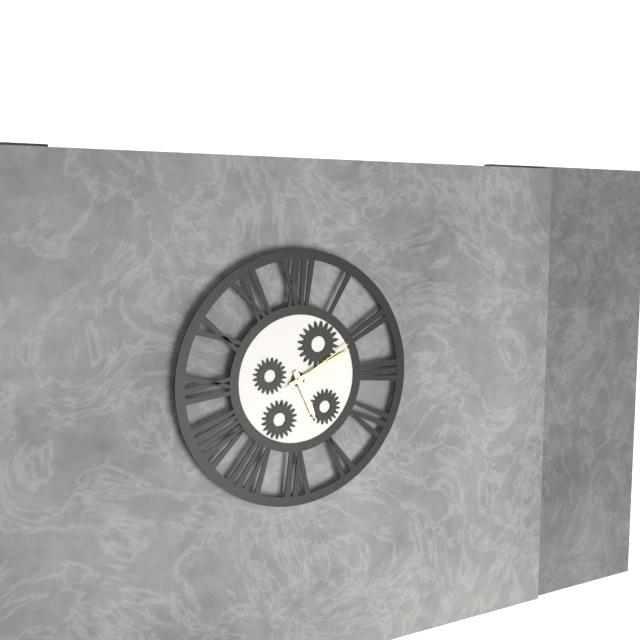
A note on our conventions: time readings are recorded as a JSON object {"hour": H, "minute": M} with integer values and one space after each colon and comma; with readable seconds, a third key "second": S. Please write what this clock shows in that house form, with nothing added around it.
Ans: {"hour": 5, "minute": 11, "second": 10}
